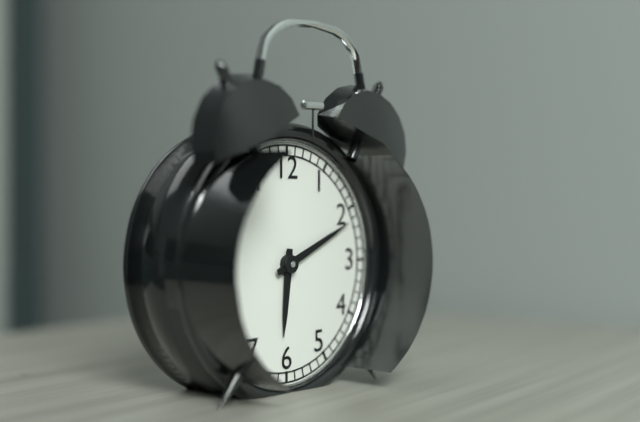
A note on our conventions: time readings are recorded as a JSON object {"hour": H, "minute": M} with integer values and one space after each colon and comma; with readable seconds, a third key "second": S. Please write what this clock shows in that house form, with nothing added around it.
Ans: {"hour": 6, "minute": 11}
